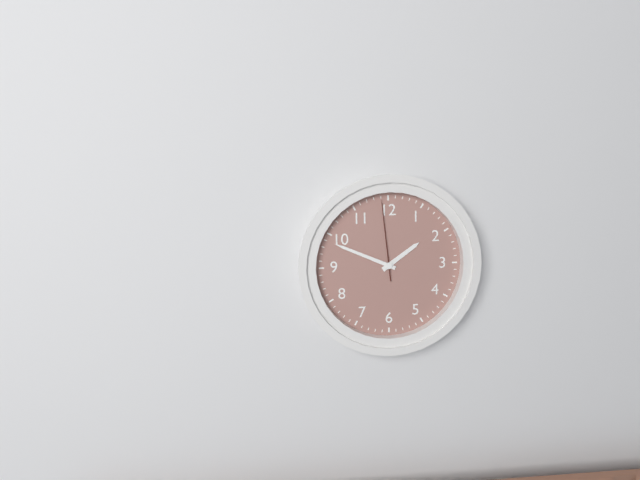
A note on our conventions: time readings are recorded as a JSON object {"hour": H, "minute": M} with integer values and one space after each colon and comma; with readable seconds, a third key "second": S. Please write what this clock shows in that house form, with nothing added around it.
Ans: {"hour": 1, "minute": 49, "second": 59}
